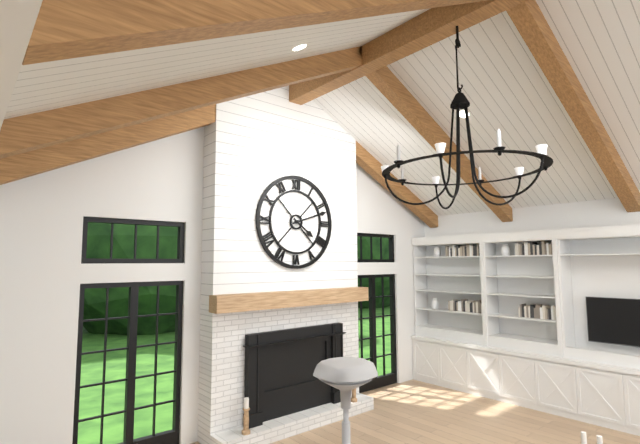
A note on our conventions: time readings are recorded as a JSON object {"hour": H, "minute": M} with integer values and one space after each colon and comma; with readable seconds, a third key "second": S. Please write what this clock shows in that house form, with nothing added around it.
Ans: {"hour": 4, "minute": 12}
